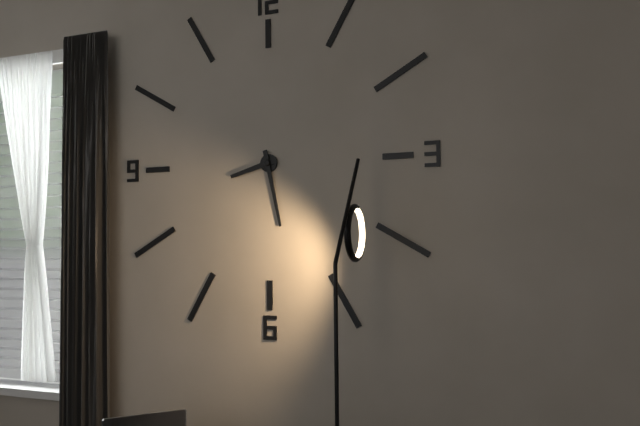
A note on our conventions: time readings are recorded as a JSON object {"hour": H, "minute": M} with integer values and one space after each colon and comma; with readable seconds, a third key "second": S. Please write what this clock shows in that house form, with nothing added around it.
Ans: {"hour": 8, "minute": 28}
